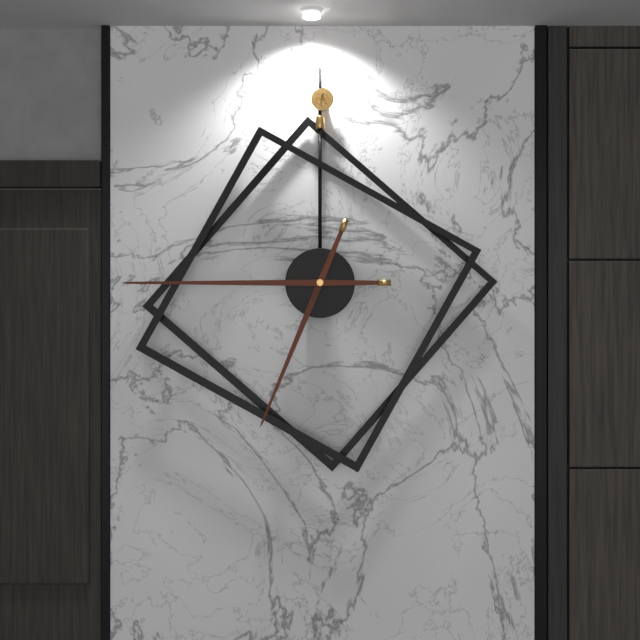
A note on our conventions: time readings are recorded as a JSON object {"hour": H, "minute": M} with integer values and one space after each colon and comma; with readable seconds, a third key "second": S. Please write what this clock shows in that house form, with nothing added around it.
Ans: {"hour": 6, "minute": 45}
